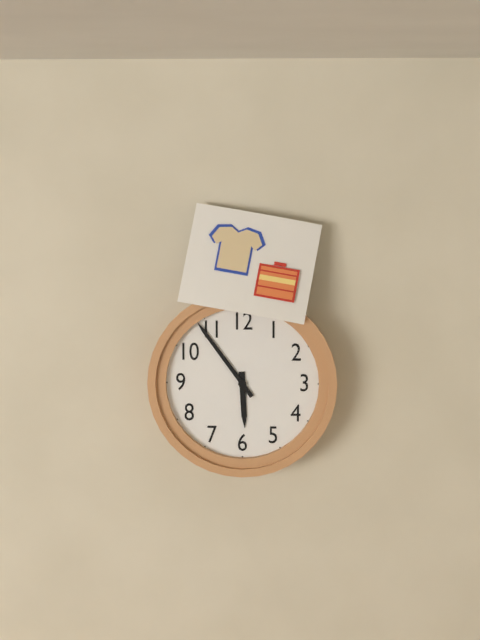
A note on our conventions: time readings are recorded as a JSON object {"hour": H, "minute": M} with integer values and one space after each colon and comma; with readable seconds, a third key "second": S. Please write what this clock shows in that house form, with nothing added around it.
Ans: {"hour": 5, "minute": 54}
